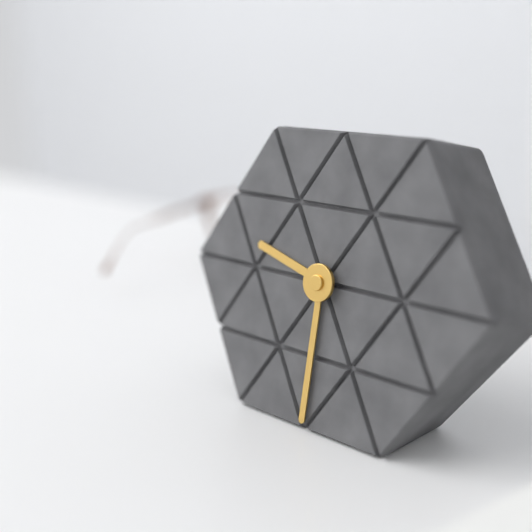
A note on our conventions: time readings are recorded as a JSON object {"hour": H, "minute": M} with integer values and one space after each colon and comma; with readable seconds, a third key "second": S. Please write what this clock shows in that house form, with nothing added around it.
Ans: {"hour": 9, "minute": 30}
